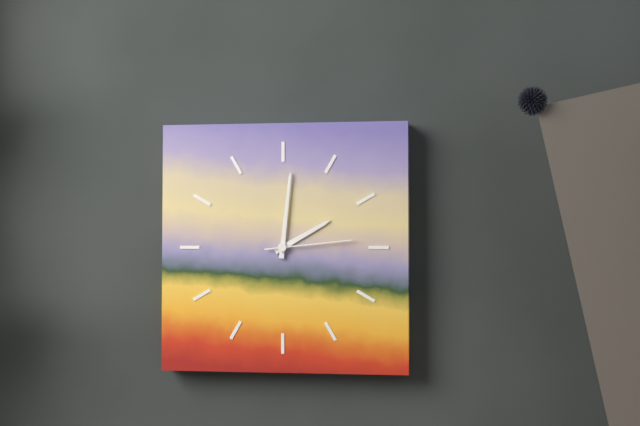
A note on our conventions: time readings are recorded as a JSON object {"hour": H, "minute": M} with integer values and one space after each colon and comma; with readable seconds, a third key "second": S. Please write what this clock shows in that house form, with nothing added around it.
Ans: {"hour": 2, "minute": 1, "second": 14}
